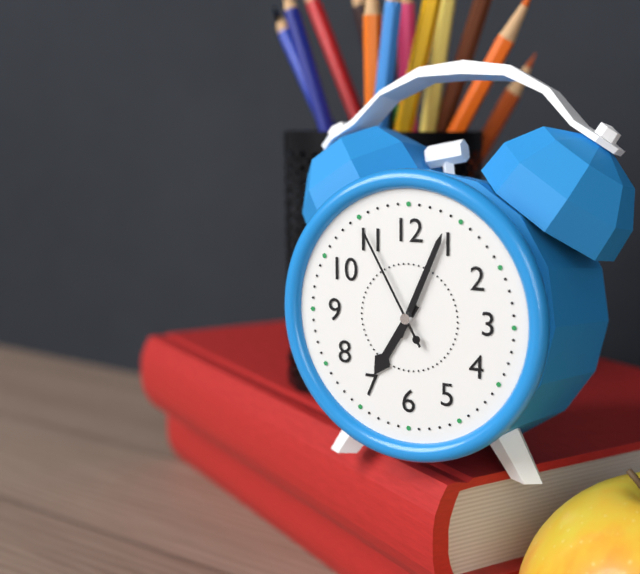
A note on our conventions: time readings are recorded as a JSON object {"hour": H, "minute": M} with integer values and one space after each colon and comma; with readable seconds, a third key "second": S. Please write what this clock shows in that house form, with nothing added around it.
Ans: {"hour": 7, "minute": 4, "second": 55}
